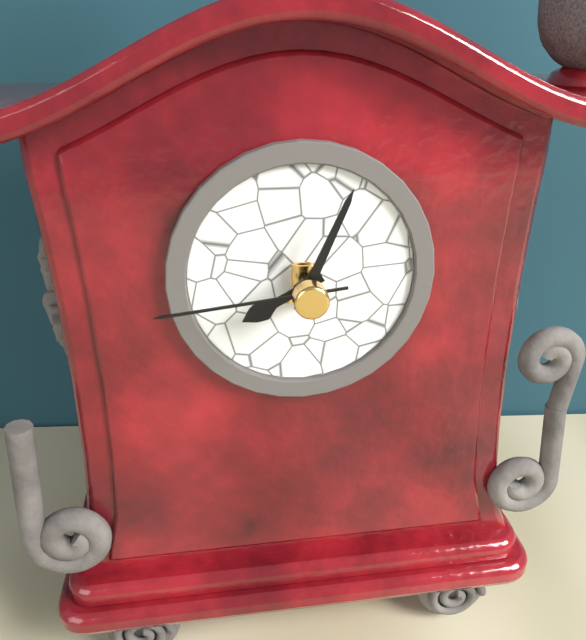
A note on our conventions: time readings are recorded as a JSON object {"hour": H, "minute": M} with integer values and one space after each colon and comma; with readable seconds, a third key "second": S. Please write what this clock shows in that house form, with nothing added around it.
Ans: {"hour": 8, "minute": 4, "second": 44}
